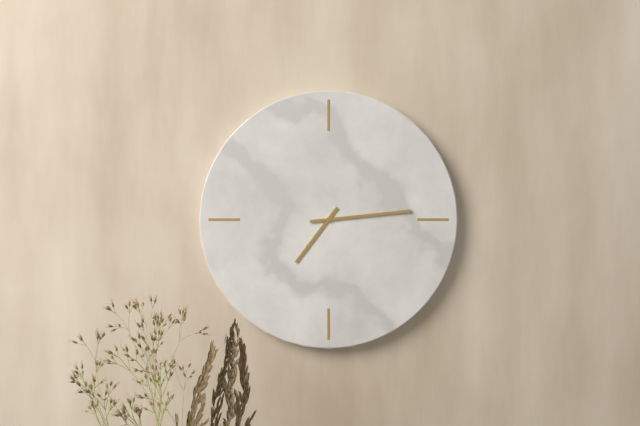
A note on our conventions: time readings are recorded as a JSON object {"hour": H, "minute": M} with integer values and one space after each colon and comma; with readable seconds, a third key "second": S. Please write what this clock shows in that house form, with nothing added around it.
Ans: {"hour": 7, "minute": 14}
